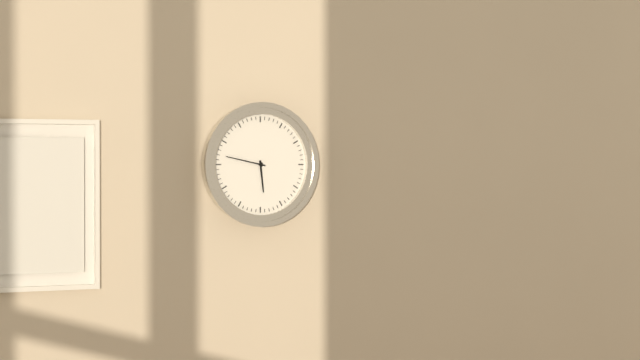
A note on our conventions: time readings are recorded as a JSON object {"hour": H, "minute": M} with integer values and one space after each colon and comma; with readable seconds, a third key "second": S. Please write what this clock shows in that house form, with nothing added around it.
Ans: {"hour": 5, "minute": 47}
